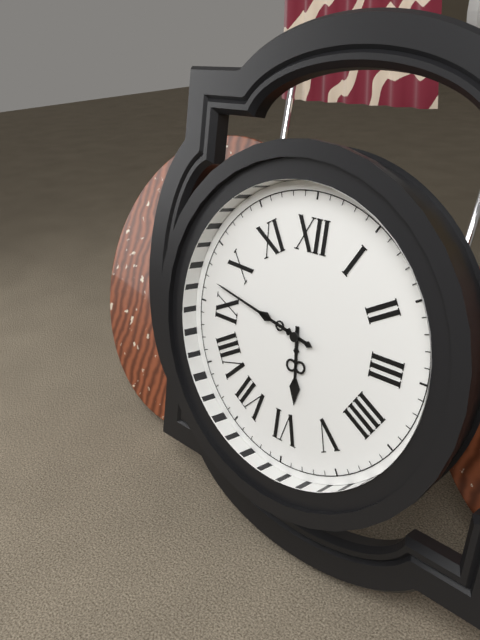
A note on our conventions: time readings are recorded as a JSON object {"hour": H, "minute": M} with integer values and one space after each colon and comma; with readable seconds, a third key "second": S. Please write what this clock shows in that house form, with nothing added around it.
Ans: {"hour": 5, "minute": 47}
